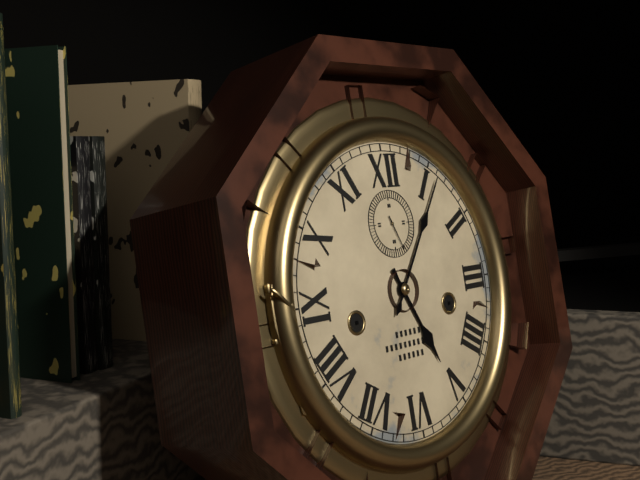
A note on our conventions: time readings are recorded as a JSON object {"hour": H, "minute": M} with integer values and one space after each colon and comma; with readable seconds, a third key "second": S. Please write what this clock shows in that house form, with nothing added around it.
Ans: {"hour": 5, "minute": 6}
